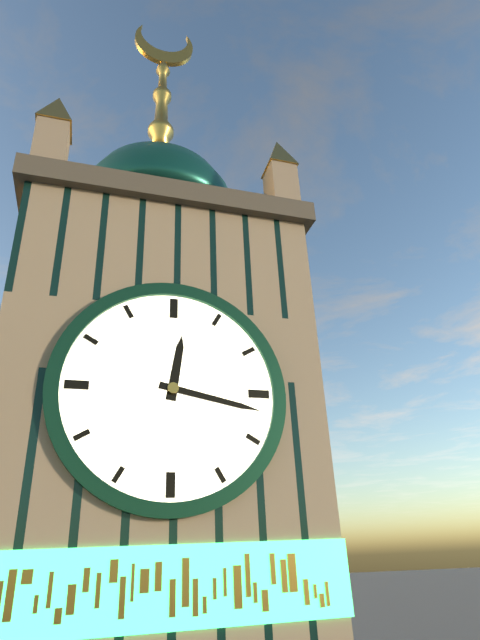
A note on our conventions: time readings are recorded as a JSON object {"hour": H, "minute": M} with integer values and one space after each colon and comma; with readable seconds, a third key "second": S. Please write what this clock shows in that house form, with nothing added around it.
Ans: {"hour": 12, "minute": 17}
